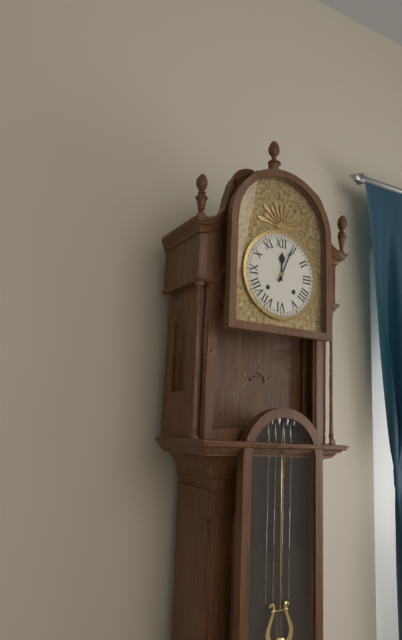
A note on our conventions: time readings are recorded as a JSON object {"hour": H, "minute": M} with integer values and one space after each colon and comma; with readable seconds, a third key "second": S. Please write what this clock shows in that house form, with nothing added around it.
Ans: {"hour": 12, "minute": 4}
